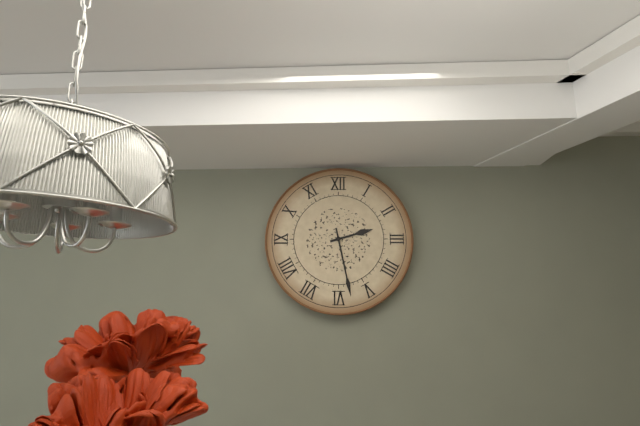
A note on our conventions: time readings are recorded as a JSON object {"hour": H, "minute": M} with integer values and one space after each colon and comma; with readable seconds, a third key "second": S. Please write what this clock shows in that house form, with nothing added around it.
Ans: {"hour": 2, "minute": 28}
